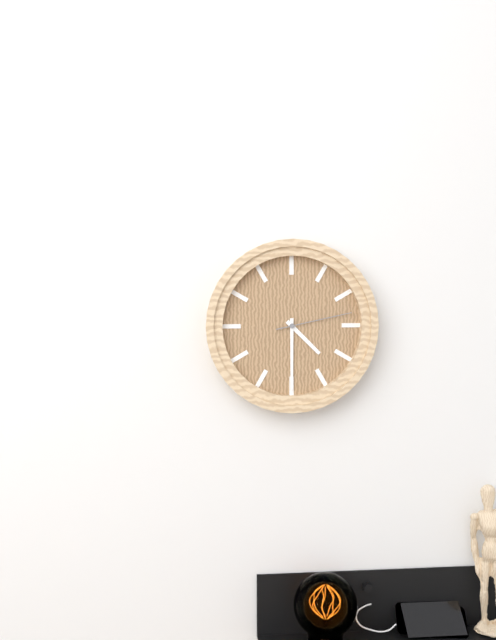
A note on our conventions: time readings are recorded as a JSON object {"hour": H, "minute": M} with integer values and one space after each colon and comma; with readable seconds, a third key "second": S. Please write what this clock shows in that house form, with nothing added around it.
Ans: {"hour": 4, "minute": 30, "second": 13}
